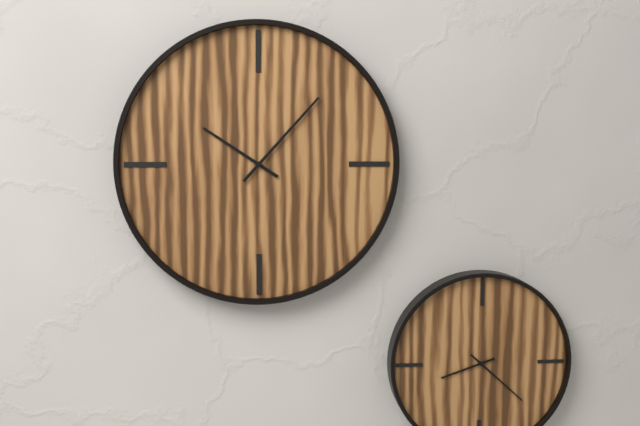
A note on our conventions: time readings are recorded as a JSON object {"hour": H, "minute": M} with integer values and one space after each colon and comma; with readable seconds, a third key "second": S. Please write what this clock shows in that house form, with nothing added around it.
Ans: {"hour": 10, "minute": 7}
